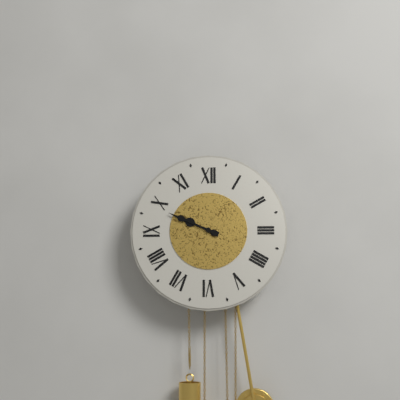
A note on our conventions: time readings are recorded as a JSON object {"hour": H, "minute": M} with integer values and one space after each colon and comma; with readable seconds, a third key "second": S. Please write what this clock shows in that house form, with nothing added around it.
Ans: {"hour": 9, "minute": 49}
